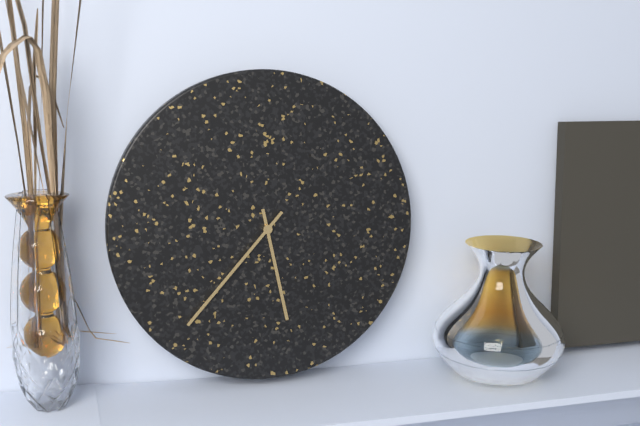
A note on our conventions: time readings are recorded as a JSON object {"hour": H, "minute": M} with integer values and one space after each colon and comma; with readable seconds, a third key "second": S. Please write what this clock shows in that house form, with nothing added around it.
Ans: {"hour": 5, "minute": 37}
